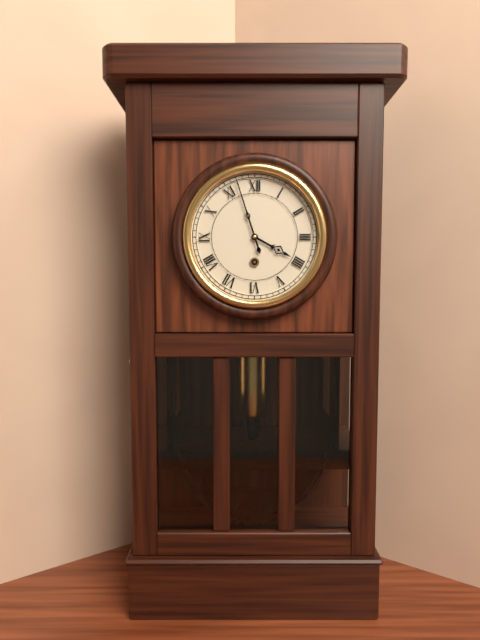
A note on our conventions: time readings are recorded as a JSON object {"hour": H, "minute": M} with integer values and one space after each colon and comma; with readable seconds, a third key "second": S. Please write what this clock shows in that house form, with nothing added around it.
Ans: {"hour": 3, "minute": 57}
